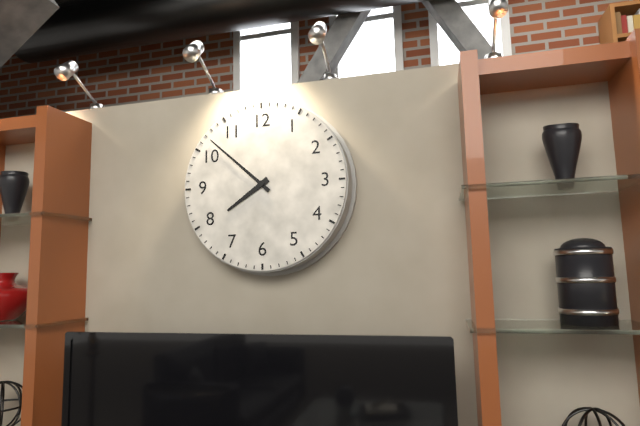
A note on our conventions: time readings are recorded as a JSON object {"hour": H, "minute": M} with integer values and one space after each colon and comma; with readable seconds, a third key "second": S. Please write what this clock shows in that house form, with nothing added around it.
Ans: {"hour": 7, "minute": 52}
